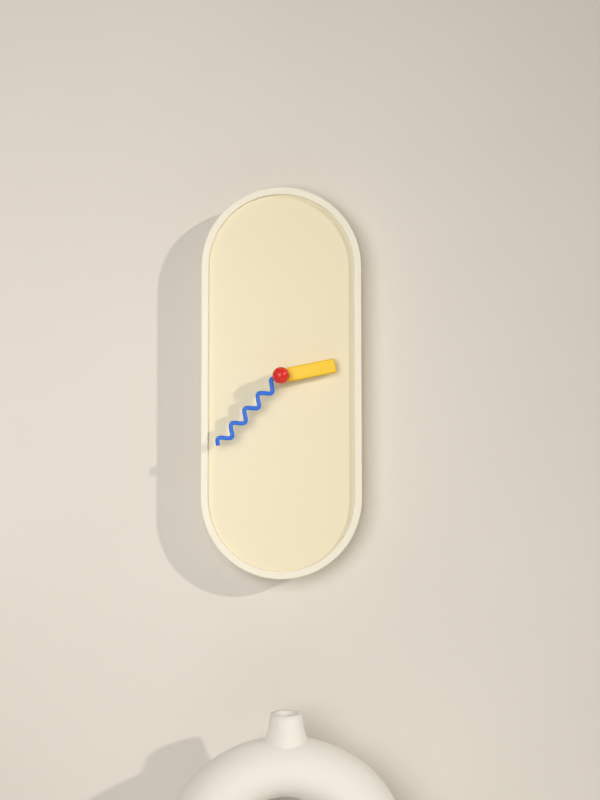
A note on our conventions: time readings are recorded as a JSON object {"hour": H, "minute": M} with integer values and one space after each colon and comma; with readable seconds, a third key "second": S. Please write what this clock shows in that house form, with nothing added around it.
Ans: {"hour": 2, "minute": 37}
